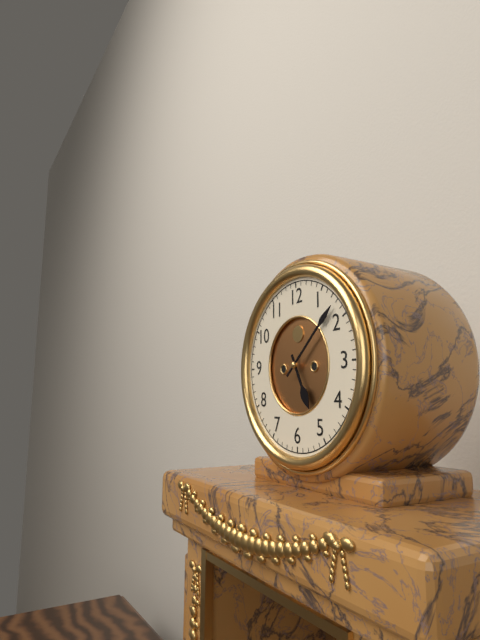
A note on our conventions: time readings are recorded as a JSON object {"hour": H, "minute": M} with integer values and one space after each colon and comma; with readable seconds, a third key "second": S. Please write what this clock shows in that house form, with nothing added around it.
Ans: {"hour": 5, "minute": 8}
